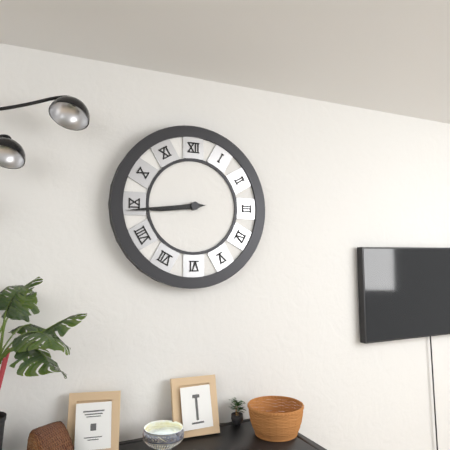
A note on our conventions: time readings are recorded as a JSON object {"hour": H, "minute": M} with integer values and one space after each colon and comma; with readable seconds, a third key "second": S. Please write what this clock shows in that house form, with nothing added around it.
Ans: {"hour": 8, "minute": 44}
